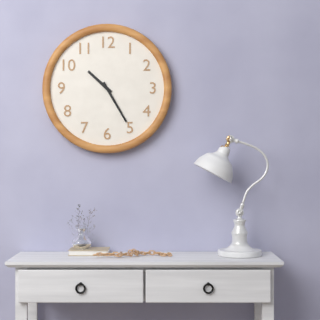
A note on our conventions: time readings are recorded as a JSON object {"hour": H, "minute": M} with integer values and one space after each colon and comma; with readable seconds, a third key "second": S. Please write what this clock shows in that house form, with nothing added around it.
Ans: {"hour": 10, "minute": 25}
